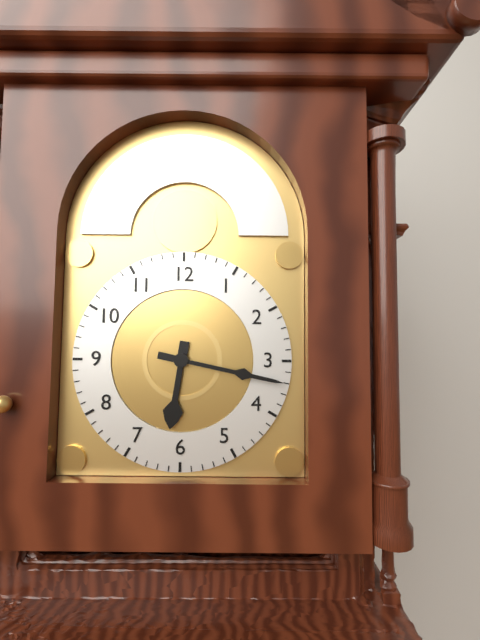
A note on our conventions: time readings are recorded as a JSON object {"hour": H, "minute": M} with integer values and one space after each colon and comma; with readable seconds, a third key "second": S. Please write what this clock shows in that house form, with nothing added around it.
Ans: {"hour": 6, "minute": 17}
